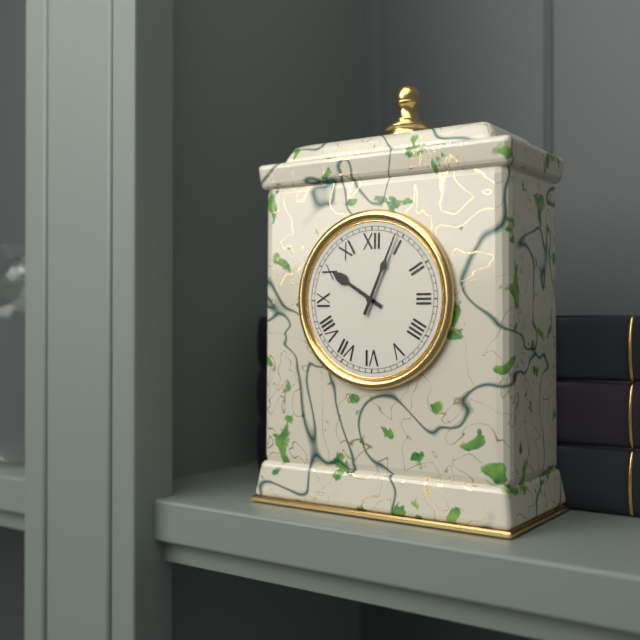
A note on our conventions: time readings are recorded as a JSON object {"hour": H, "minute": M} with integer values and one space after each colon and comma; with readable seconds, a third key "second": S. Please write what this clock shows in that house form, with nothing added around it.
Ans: {"hour": 10, "minute": 4}
